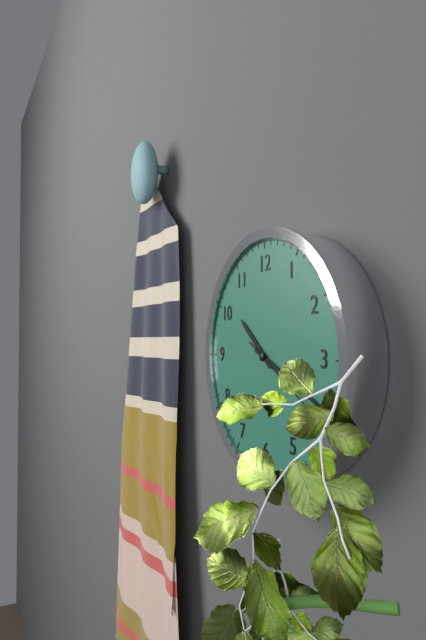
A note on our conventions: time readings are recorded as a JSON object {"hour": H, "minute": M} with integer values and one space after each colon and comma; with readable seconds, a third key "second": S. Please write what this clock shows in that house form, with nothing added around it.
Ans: {"hour": 10, "minute": 19, "second": 20}
